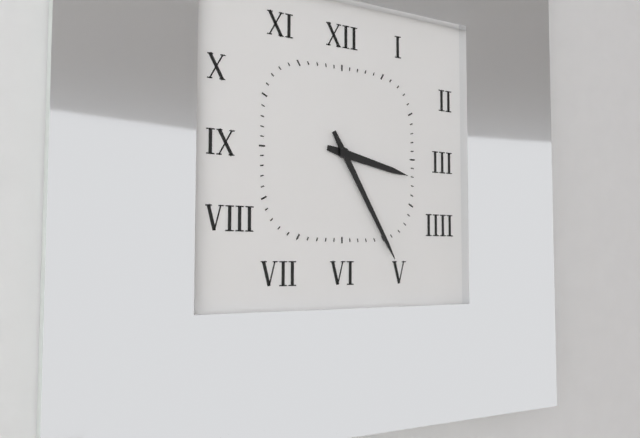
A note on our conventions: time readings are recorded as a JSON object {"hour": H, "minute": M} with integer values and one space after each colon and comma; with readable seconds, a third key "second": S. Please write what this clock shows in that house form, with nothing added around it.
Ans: {"hour": 3, "minute": 25}
